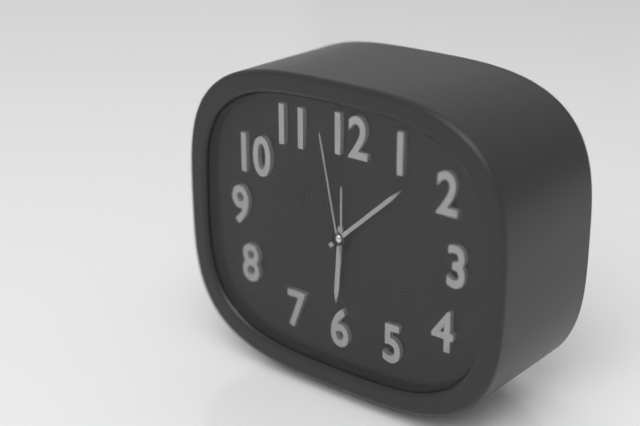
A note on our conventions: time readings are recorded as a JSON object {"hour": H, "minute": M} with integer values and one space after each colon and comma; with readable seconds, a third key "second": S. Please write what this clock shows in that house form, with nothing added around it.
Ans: {"hour": 6, "minute": 8, "second": 58}
